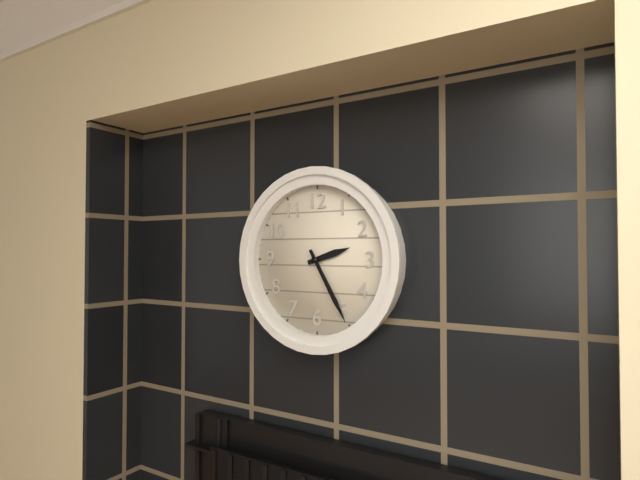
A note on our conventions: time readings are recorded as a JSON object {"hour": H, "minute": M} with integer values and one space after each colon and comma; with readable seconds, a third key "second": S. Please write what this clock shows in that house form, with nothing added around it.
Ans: {"hour": 2, "minute": 25}
